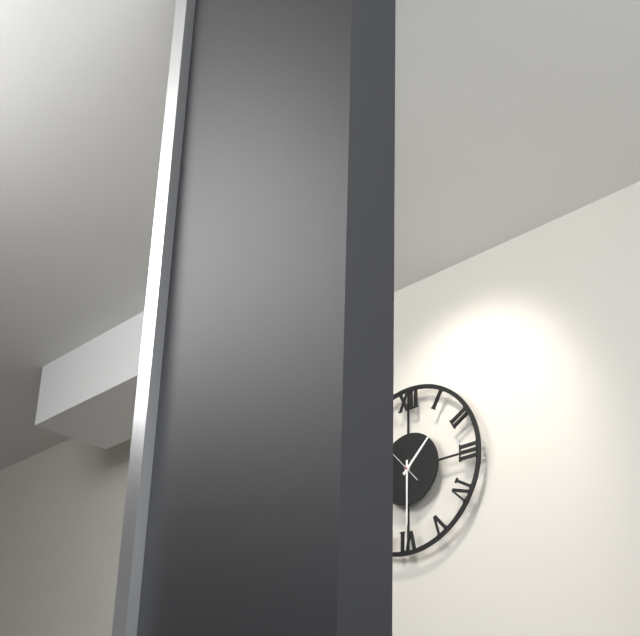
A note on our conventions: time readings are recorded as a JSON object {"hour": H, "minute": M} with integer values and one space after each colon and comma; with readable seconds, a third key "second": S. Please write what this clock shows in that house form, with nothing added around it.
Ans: {"hour": 1, "minute": 30}
